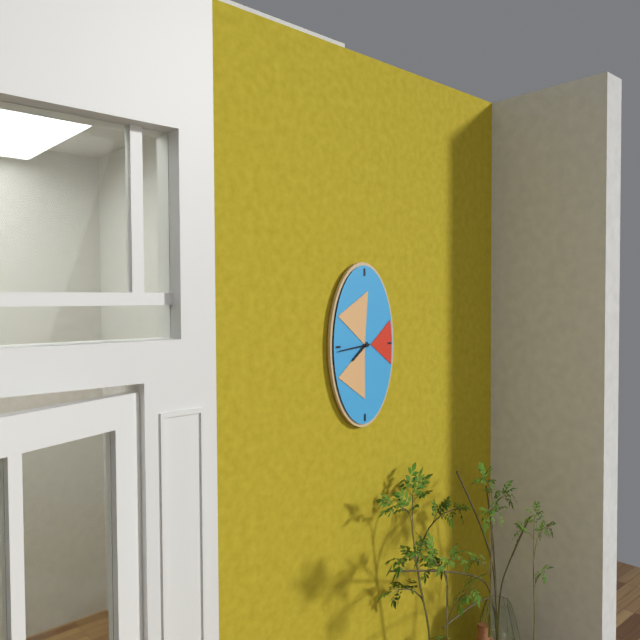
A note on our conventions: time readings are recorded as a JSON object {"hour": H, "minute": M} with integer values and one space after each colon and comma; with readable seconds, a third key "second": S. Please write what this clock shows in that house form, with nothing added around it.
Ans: {"hour": 7, "minute": 44}
